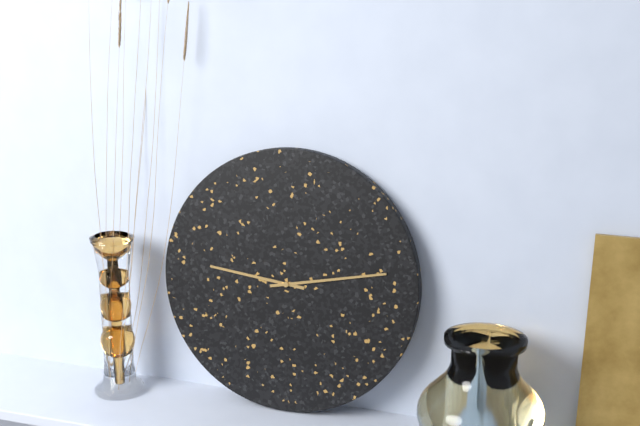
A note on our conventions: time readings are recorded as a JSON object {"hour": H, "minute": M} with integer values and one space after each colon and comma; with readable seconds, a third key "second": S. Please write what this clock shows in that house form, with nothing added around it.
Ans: {"hour": 9, "minute": 13}
